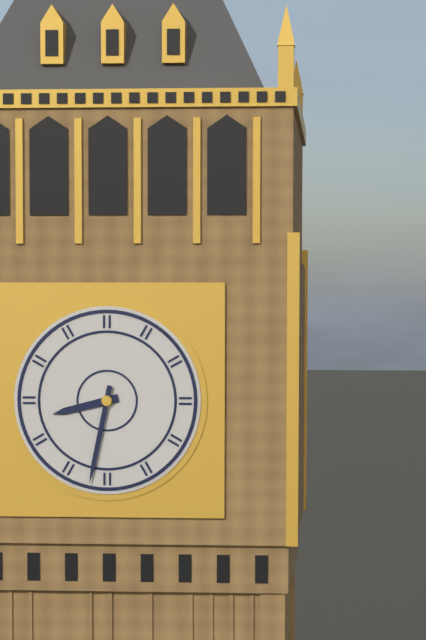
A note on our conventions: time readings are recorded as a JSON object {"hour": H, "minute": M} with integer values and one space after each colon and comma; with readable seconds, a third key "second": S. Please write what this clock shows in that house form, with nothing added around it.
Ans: {"hour": 8, "minute": 32}
